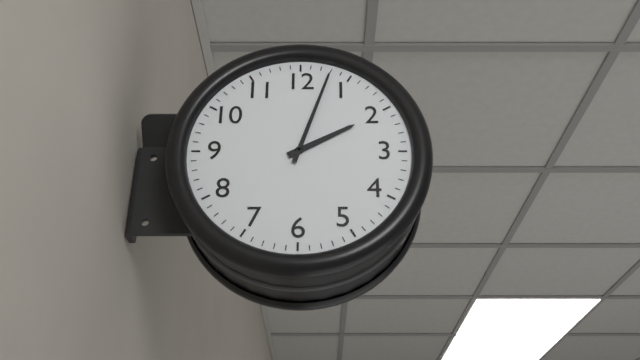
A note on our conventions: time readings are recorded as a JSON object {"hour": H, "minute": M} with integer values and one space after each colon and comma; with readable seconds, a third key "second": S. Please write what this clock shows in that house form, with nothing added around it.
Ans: {"hour": 2, "minute": 3}
